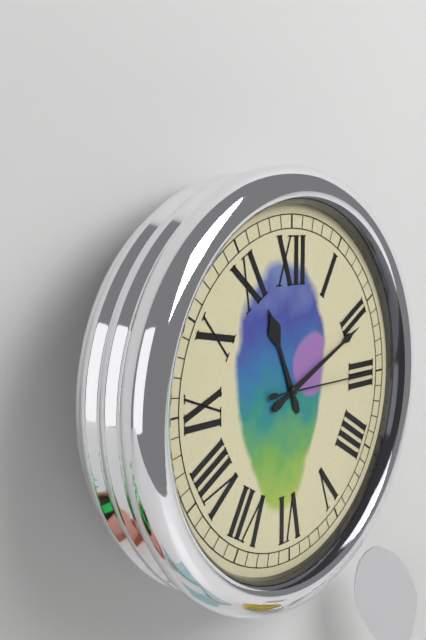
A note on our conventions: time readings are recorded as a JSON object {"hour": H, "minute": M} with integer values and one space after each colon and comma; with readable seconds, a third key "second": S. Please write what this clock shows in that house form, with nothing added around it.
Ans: {"hour": 11, "minute": 11, "second": 15}
